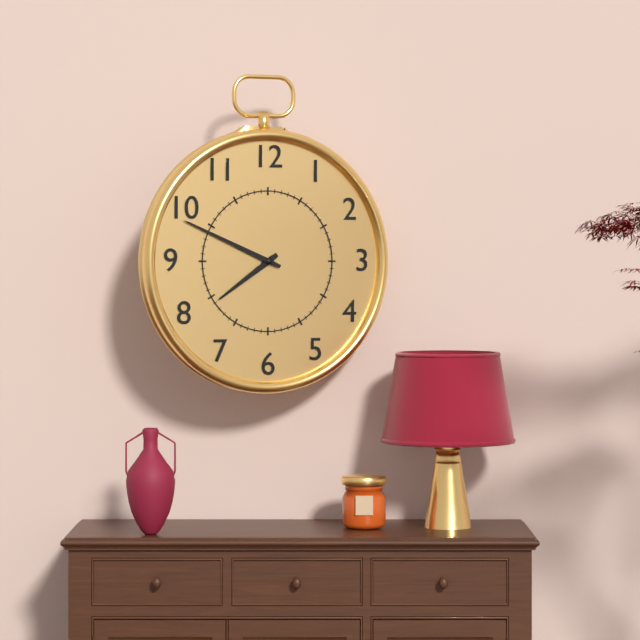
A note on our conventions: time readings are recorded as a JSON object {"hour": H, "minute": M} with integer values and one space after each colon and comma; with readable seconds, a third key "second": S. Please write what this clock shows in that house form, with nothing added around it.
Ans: {"hour": 7, "minute": 49}
